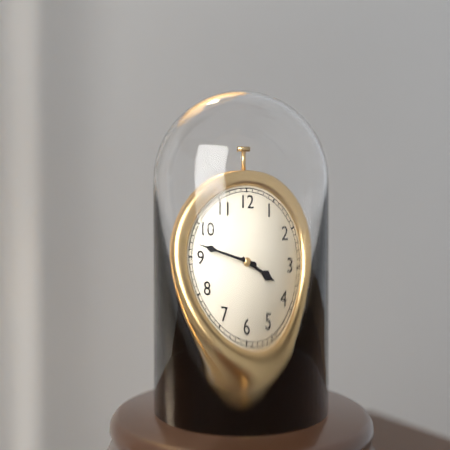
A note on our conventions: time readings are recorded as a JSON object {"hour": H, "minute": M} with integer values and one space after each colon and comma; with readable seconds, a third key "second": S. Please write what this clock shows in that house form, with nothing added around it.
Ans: {"hour": 3, "minute": 47}
